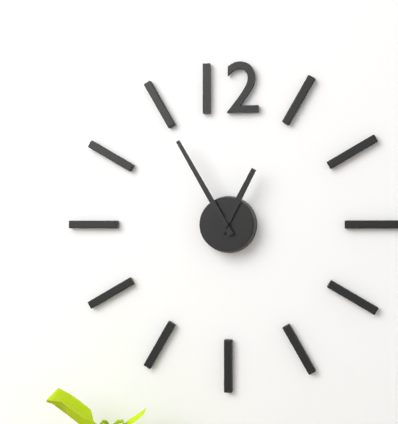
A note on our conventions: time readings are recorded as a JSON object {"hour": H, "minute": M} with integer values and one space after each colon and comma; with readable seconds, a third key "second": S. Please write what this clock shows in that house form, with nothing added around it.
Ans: {"hour": 12, "minute": 55}
